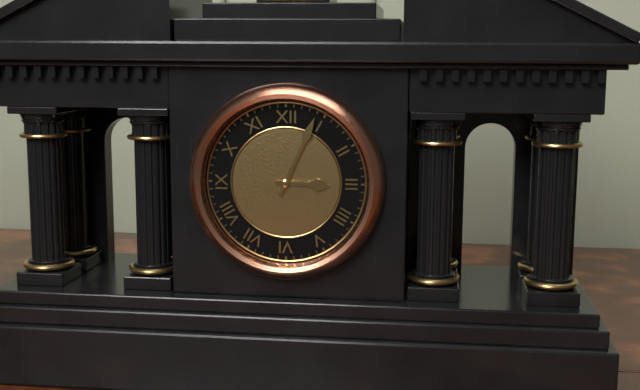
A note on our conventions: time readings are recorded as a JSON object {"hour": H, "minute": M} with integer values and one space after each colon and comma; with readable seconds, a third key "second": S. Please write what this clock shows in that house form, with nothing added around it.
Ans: {"hour": 3, "minute": 4}
